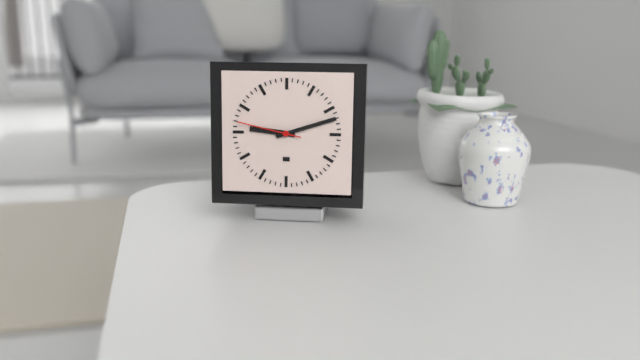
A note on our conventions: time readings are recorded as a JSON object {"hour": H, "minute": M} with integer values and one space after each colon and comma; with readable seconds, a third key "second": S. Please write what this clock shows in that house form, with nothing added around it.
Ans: {"hour": 9, "minute": 12, "second": 47}
